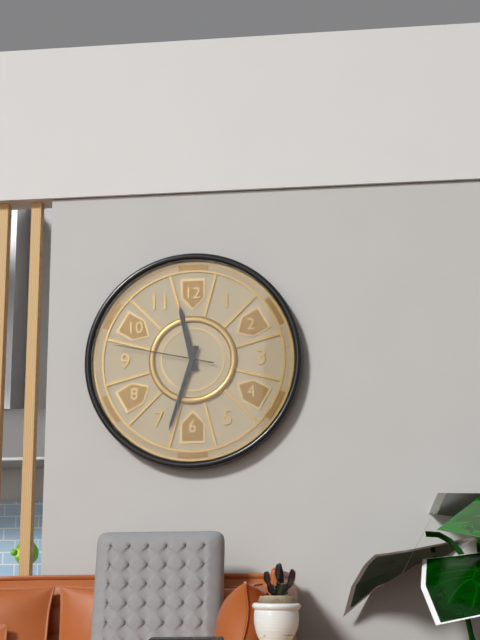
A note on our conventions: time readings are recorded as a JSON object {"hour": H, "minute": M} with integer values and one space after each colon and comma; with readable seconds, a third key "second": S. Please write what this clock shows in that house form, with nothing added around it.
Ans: {"hour": 11, "minute": 33, "second": 47}
